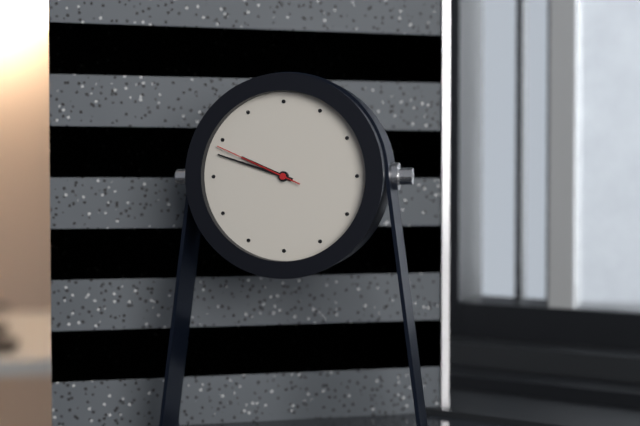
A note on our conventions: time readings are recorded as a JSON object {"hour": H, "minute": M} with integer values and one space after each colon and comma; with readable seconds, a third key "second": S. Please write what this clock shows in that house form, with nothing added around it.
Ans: {"hour": 9, "minute": 48, "second": 49}
